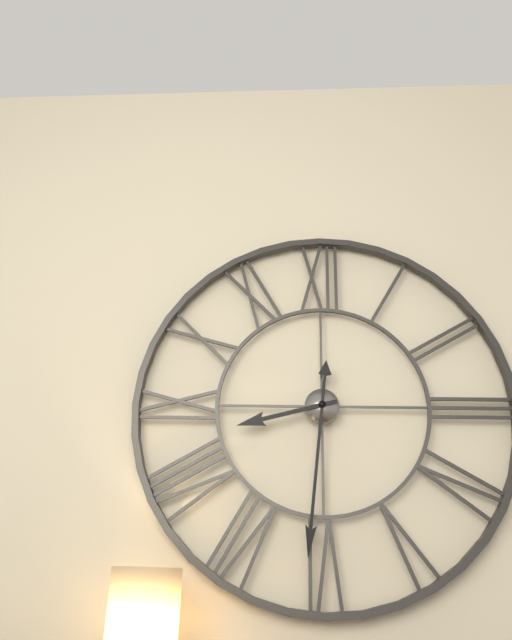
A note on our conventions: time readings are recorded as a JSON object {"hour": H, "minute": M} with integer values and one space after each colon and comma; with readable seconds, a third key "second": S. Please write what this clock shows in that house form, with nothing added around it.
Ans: {"hour": 8, "minute": 31}
